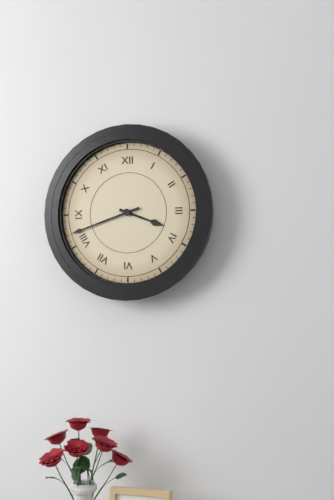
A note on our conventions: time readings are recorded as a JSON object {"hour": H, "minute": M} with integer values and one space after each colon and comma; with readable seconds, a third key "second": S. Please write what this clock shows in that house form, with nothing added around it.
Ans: {"hour": 3, "minute": 42}
